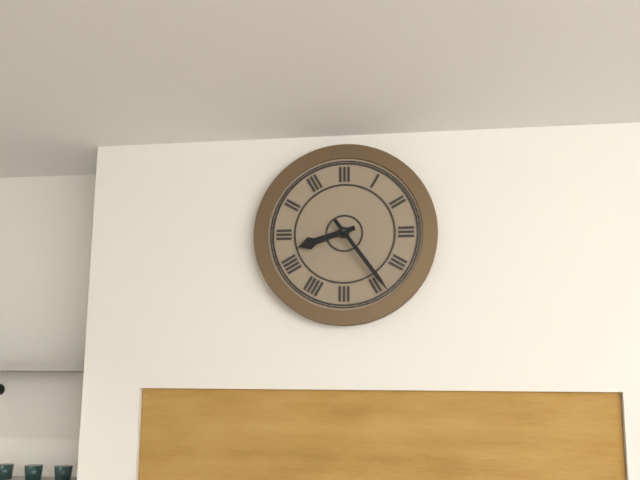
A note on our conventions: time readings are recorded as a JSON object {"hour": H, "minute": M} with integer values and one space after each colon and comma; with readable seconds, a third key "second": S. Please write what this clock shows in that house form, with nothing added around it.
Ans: {"hour": 8, "minute": 24}
